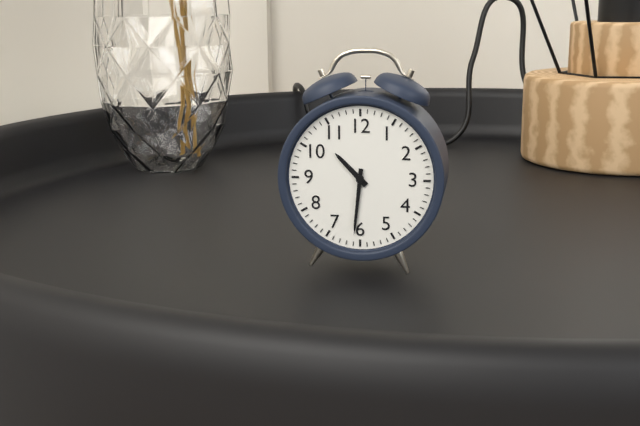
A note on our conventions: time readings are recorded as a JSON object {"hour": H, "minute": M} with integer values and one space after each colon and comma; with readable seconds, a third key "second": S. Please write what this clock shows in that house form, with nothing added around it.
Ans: {"hour": 10, "minute": 31}
